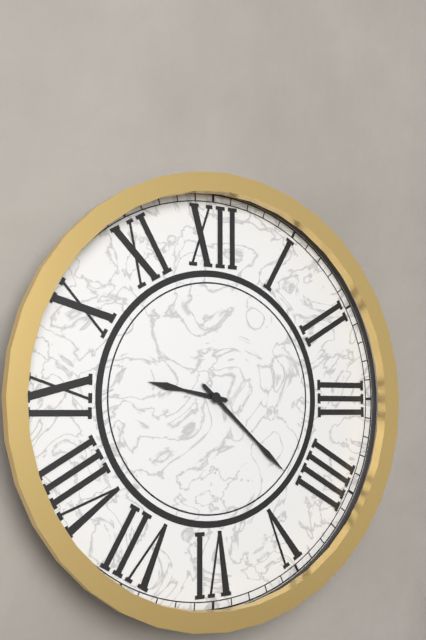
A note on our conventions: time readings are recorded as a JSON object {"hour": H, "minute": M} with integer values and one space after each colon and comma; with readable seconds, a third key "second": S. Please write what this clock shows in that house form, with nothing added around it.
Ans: {"hour": 9, "minute": 22}
